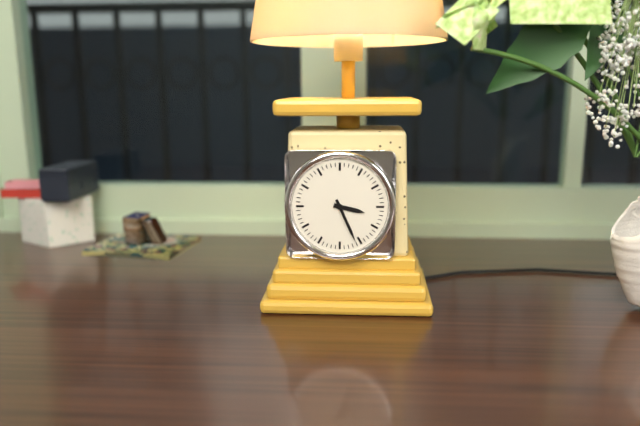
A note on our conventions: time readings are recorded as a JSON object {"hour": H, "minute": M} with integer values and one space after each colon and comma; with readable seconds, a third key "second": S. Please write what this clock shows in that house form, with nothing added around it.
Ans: {"hour": 3, "minute": 26}
